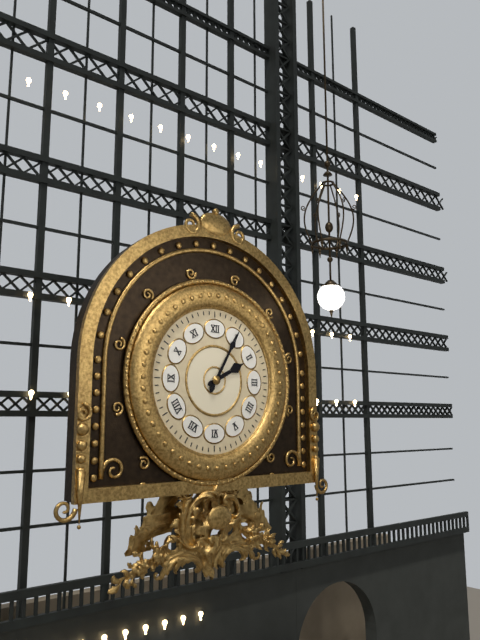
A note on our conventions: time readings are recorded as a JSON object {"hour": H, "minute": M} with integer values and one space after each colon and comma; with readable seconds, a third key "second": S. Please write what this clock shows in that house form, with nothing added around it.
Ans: {"hour": 2, "minute": 5}
